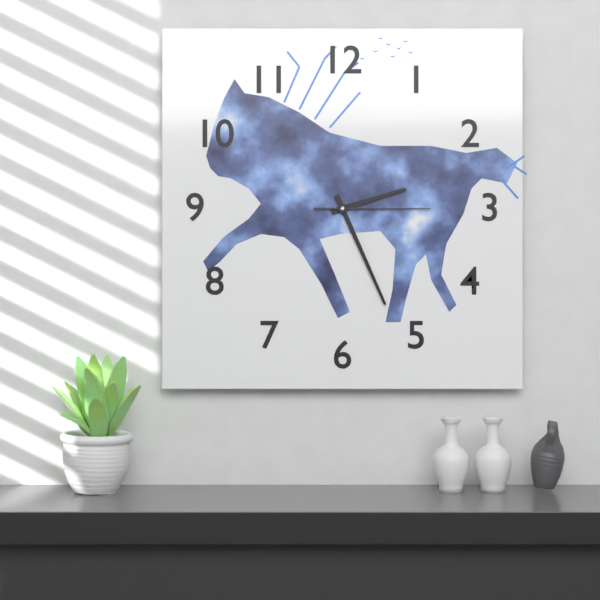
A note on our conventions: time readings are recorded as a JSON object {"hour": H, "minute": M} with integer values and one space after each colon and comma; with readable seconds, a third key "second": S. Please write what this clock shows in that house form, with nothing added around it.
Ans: {"hour": 2, "minute": 26, "second": 15}
